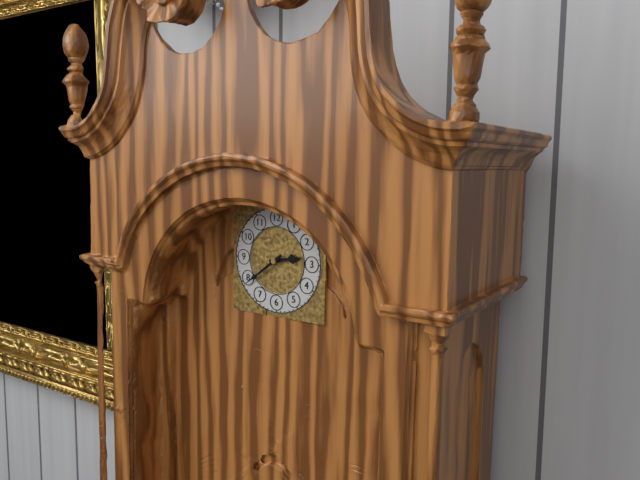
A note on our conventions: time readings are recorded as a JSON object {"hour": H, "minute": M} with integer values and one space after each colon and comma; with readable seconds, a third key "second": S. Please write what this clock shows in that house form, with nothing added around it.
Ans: {"hour": 2, "minute": 39}
